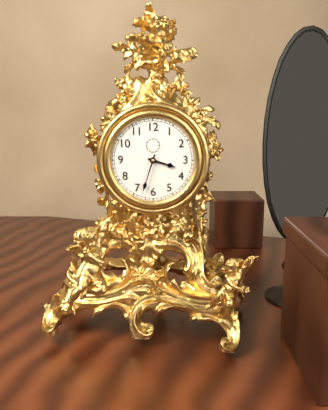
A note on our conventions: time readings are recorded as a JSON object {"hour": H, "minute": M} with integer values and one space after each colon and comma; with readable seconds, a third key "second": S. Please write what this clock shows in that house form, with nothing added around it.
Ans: {"hour": 3, "minute": 33}
